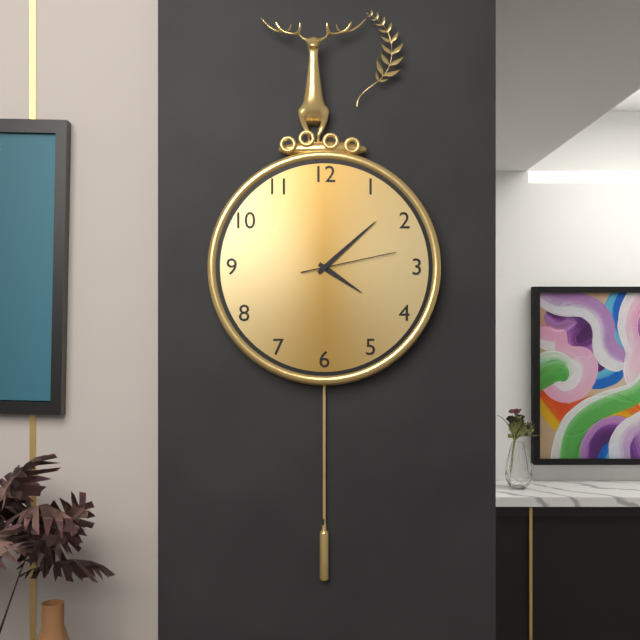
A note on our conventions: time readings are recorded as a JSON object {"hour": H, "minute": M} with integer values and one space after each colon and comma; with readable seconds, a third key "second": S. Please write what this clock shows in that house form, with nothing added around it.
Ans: {"hour": 4, "minute": 8, "second": 13}
